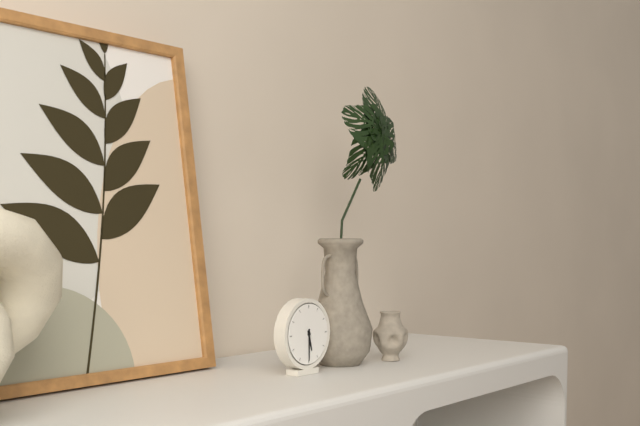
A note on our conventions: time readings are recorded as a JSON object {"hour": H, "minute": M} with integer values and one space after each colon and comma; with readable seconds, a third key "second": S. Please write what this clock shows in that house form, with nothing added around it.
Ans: {"hour": 5, "minute": 30}
